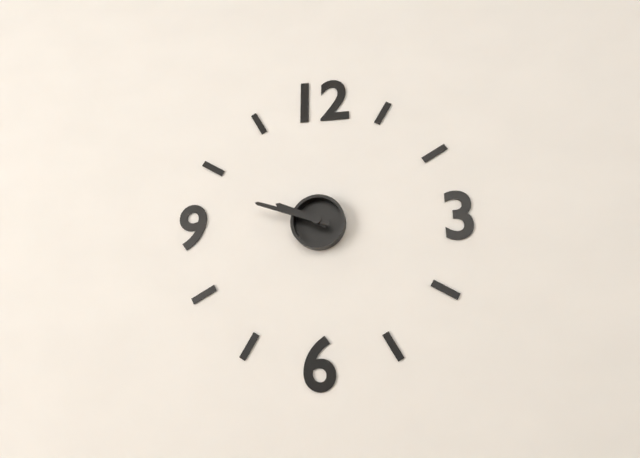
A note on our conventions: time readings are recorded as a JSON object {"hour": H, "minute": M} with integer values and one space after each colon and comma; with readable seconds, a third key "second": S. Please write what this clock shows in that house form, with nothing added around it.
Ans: {"hour": 9, "minute": 48}
